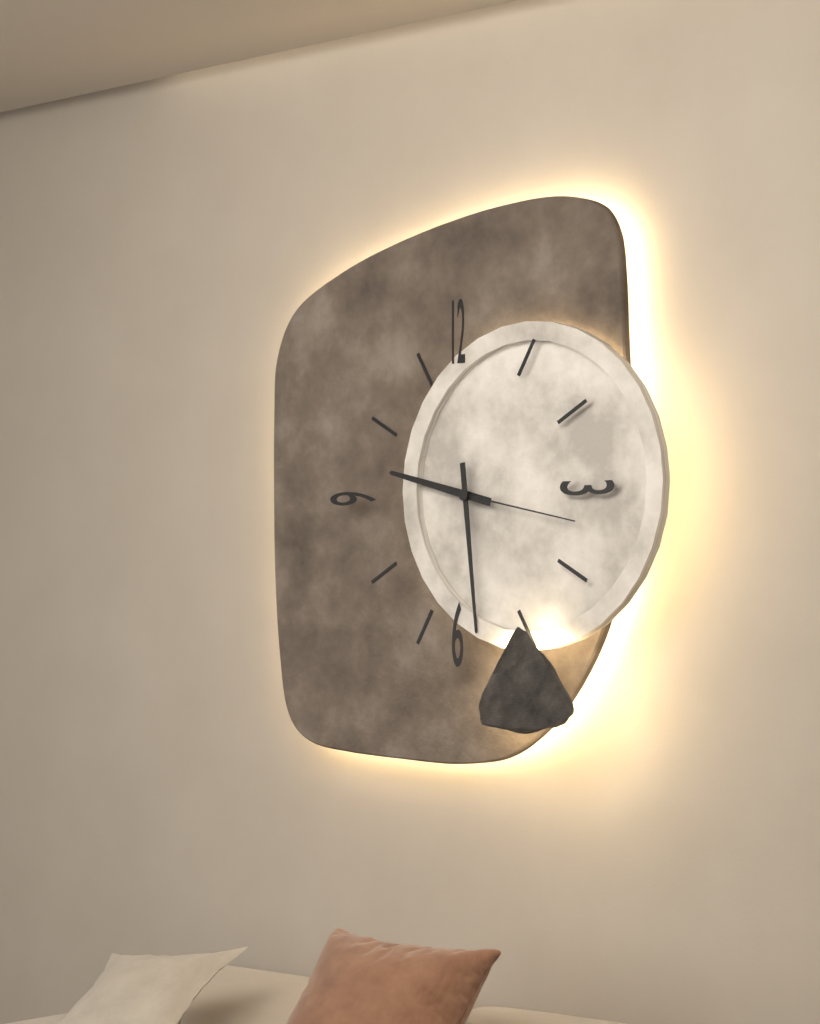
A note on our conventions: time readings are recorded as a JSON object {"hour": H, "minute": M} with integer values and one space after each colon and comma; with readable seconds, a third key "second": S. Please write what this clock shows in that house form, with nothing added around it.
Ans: {"hour": 9, "minute": 29, "second": 17}
